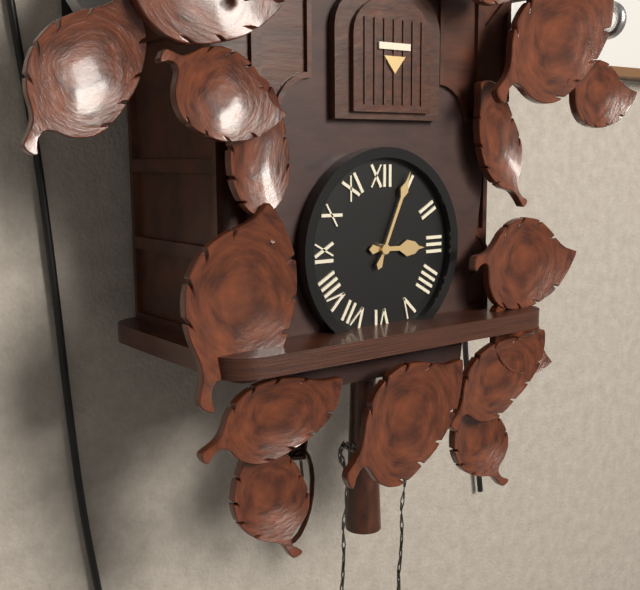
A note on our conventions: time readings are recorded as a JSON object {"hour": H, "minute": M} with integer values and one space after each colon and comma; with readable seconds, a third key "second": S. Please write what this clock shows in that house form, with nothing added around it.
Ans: {"hour": 3, "minute": 4}
